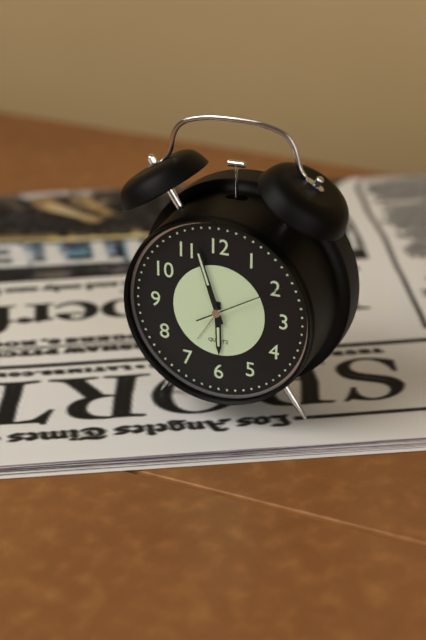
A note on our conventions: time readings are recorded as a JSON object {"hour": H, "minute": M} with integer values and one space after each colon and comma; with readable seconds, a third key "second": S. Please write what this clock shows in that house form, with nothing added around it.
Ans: {"hour": 5, "minute": 57, "second": 10}
